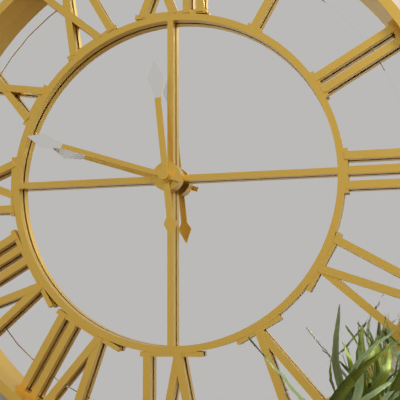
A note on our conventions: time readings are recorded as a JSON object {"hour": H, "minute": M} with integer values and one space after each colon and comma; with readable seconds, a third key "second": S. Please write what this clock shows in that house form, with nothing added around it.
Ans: {"hour": 11, "minute": 48}
